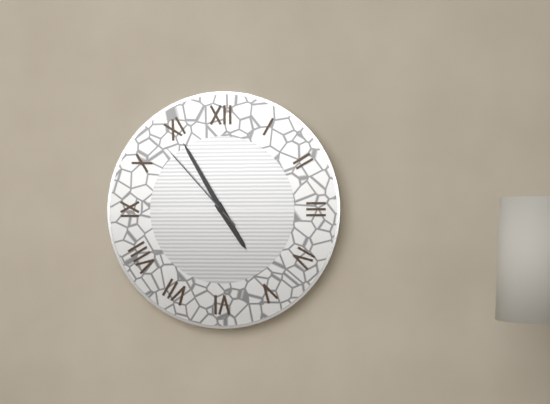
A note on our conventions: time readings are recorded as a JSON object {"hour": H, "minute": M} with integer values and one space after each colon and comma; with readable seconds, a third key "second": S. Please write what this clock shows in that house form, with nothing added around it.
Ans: {"hour": 4, "minute": 55, "second": 53}
